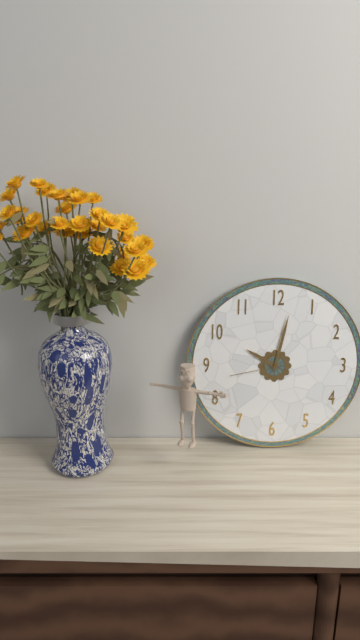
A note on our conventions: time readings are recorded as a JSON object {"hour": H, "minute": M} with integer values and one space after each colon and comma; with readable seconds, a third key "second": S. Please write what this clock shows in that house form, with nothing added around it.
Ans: {"hour": 10, "minute": 2, "second": 43}
